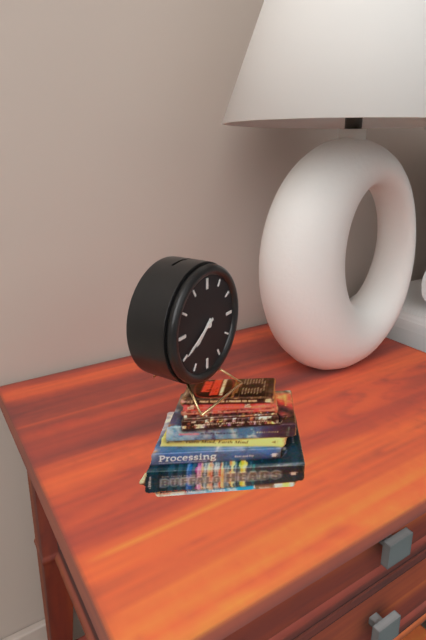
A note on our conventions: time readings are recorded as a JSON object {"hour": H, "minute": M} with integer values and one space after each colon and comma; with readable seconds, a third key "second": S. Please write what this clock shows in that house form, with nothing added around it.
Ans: {"hour": 7, "minute": 40}
